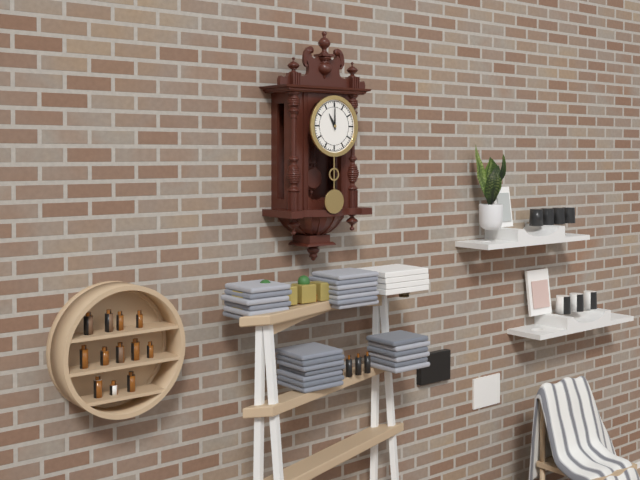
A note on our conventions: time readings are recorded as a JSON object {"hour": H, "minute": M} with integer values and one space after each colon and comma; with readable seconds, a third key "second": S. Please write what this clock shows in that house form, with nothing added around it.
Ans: {"hour": 11, "minute": 0}
